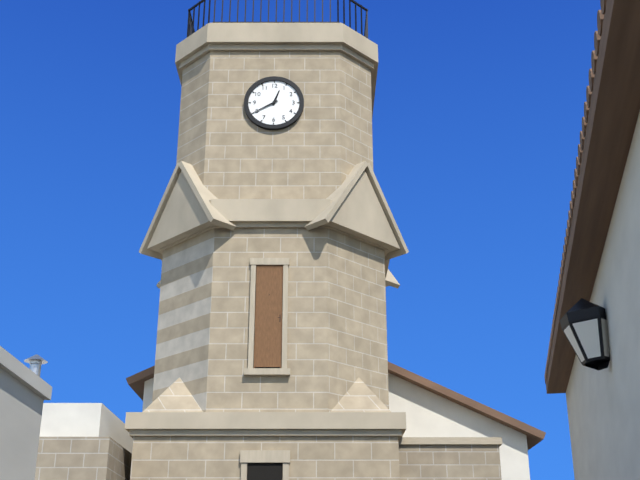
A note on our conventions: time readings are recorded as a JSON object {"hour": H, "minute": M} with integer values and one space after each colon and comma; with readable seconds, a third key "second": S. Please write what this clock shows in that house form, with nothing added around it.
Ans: {"hour": 12, "minute": 40}
